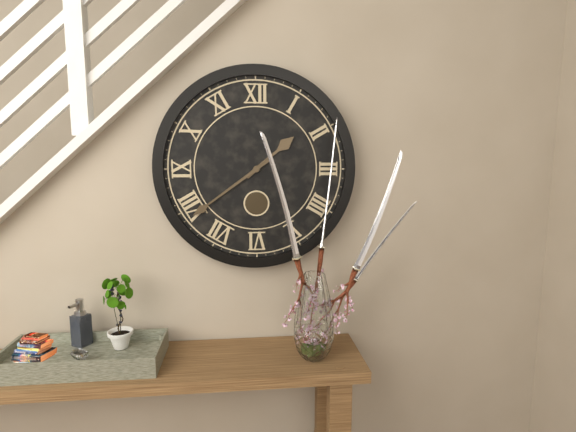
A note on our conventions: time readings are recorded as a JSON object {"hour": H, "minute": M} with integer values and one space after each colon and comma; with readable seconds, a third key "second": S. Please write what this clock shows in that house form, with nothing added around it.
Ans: {"hour": 1, "minute": 39}
